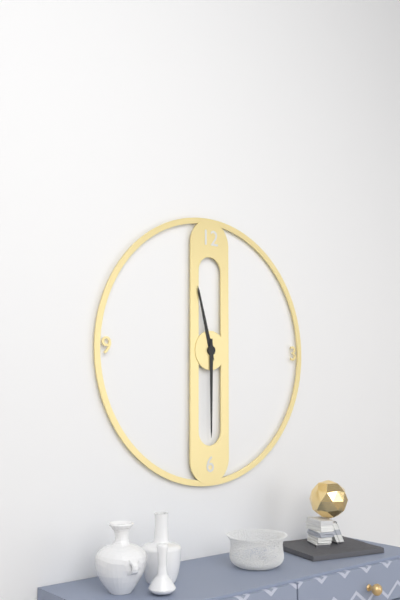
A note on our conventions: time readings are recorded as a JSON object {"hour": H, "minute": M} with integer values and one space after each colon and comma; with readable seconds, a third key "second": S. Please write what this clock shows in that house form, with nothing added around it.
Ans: {"hour": 11, "minute": 30}
